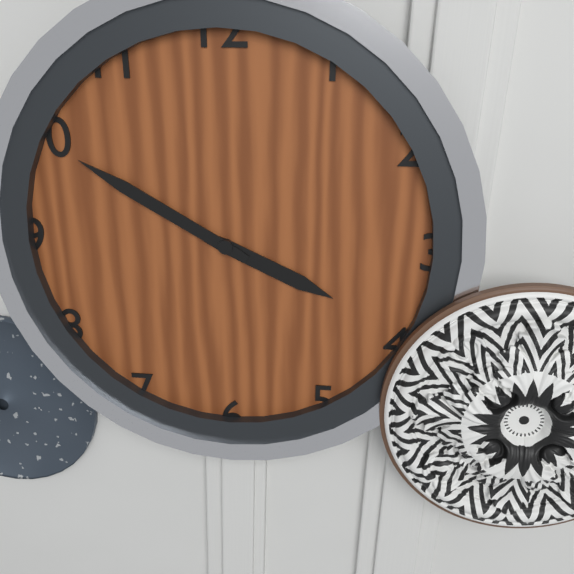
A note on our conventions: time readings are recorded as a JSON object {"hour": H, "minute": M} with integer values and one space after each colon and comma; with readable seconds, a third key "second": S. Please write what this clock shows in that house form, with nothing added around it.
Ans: {"hour": 3, "minute": 50}
